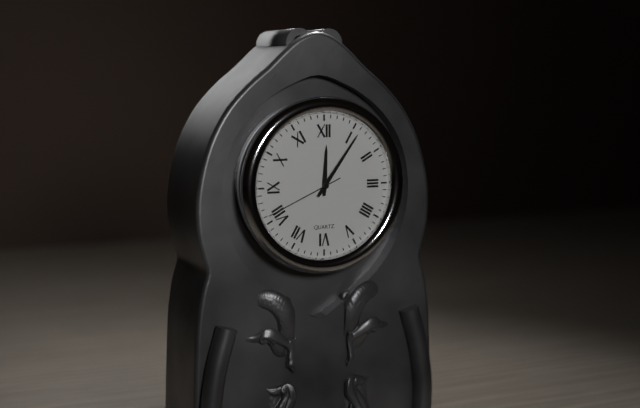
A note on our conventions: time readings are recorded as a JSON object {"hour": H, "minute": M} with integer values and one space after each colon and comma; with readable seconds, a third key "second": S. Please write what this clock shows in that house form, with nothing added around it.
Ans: {"hour": 12, "minute": 6, "second": 41}
